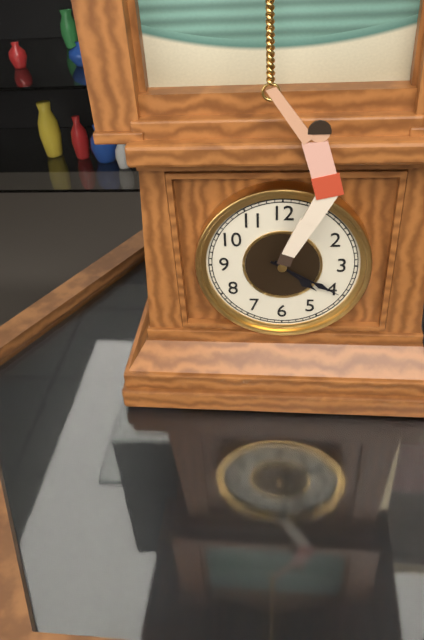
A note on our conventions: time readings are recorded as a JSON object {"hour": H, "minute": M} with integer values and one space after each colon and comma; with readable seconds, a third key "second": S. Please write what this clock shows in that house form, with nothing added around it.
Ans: {"hour": 4, "minute": 20}
